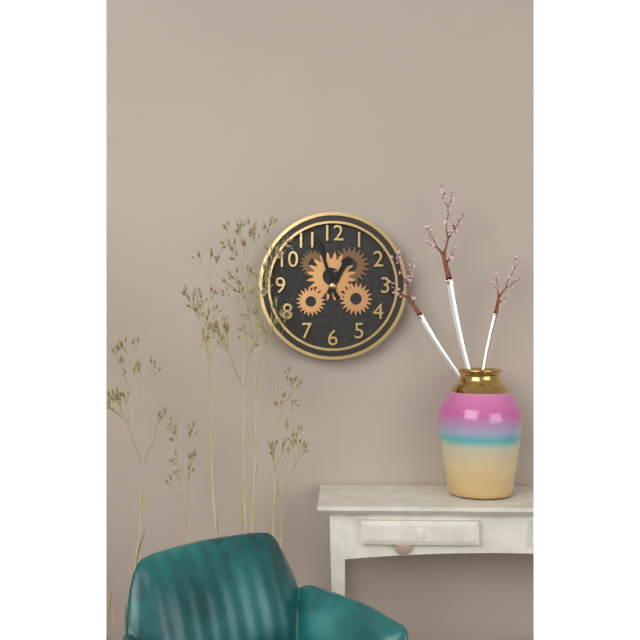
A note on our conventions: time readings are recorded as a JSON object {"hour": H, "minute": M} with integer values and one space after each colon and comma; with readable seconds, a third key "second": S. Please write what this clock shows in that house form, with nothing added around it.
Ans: {"hour": 12, "minute": 57}
